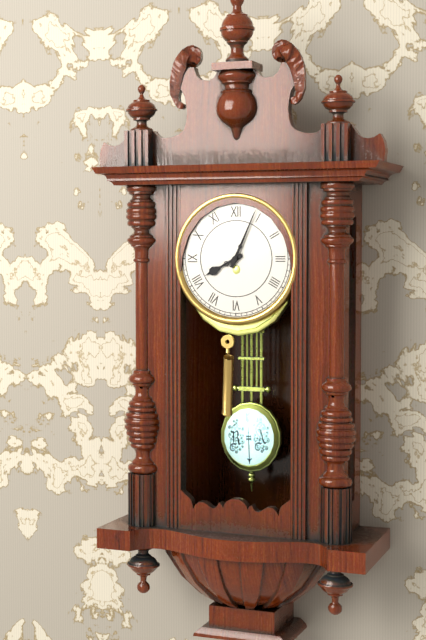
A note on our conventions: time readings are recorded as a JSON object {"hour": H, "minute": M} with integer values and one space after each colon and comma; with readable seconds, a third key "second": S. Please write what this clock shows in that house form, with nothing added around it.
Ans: {"hour": 8, "minute": 4}
